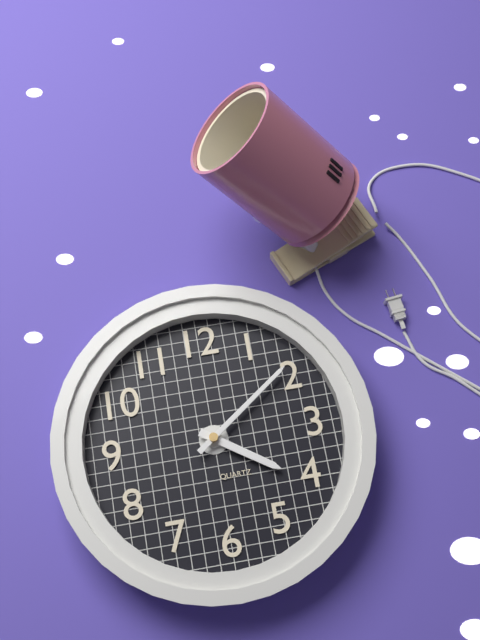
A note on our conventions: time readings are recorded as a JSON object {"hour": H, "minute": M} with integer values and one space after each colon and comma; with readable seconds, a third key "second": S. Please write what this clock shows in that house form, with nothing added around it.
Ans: {"hour": 4, "minute": 9}
